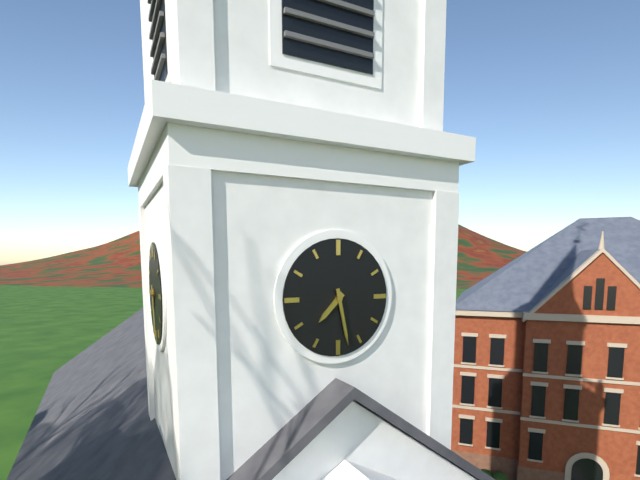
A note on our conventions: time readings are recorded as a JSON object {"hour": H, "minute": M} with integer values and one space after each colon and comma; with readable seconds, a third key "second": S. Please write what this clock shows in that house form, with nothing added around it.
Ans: {"hour": 7, "minute": 28}
